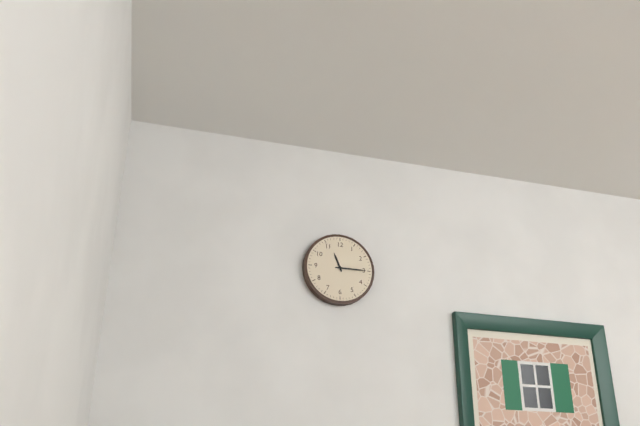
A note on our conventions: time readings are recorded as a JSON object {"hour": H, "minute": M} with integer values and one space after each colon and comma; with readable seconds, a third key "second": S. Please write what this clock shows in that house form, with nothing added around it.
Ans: {"hour": 11, "minute": 15}
